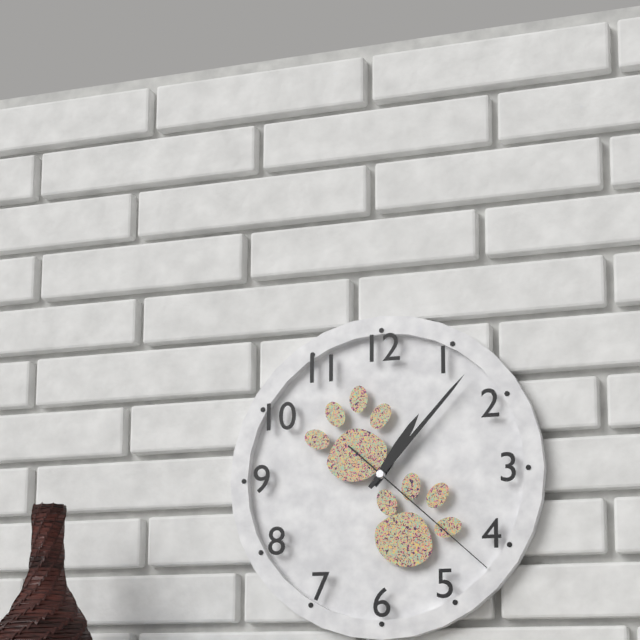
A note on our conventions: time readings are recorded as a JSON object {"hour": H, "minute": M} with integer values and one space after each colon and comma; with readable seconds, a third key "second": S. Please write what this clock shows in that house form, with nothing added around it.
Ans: {"hour": 1, "minute": 7, "second": 22}
